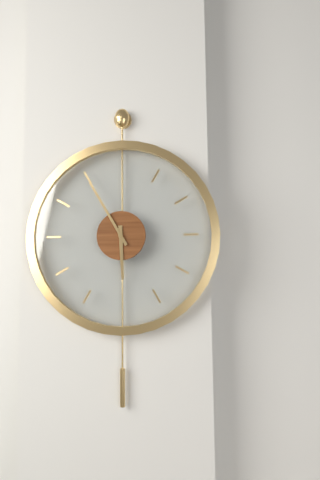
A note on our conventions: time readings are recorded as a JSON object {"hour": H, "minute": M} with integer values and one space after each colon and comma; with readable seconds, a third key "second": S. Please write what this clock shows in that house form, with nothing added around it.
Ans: {"hour": 5, "minute": 55}
